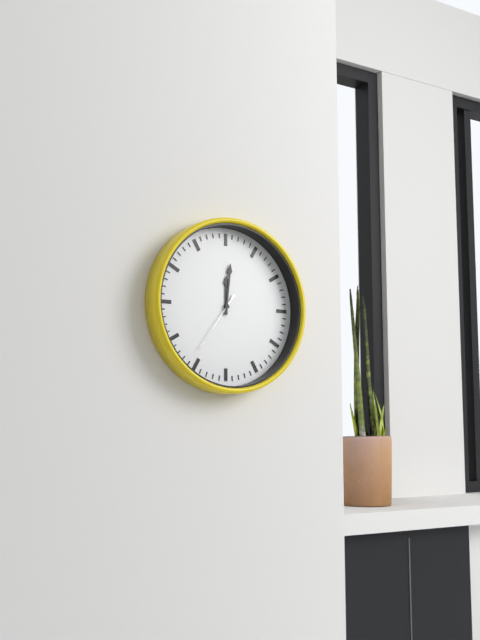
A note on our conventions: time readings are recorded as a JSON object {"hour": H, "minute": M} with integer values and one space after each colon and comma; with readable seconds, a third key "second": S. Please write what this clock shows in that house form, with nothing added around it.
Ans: {"hour": 12, "minute": 1, "second": 36}
